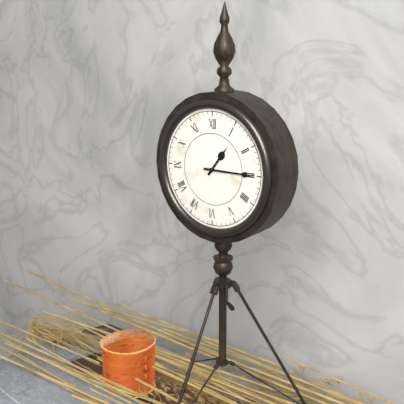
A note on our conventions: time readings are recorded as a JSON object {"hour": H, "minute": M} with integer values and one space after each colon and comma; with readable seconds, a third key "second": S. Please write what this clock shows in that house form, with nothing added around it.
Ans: {"hour": 1, "minute": 15}
